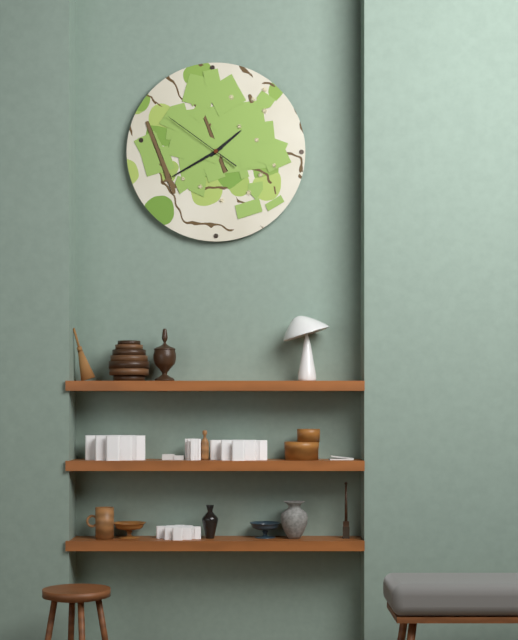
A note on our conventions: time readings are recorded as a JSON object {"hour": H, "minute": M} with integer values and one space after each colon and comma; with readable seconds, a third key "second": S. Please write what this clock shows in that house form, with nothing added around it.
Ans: {"hour": 1, "minute": 40, "second": 51}
